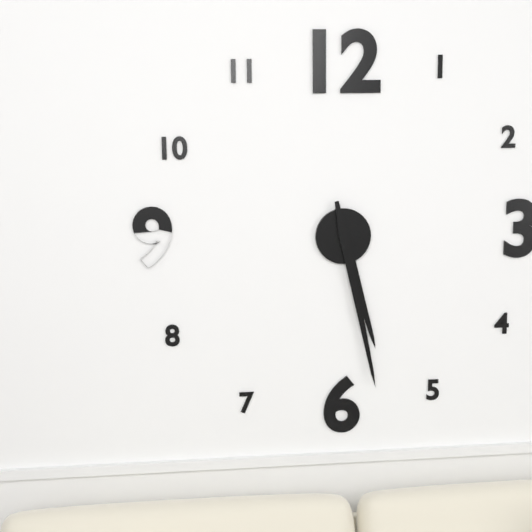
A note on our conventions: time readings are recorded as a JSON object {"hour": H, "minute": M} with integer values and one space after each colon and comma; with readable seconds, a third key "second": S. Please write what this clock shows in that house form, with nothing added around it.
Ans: {"hour": 5, "minute": 28}
